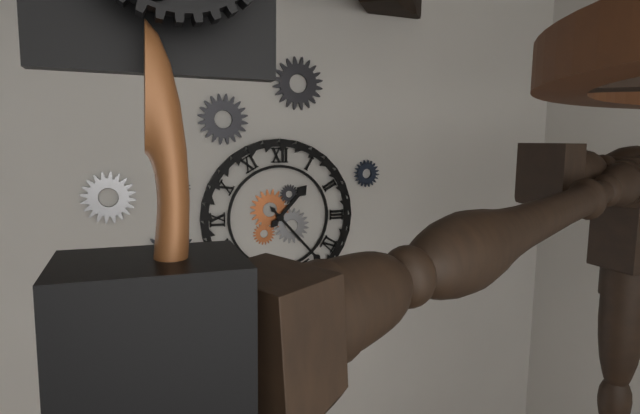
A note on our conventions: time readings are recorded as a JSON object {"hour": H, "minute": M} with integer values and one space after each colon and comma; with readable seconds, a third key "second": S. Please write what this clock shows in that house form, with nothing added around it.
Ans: {"hour": 1, "minute": 23}
